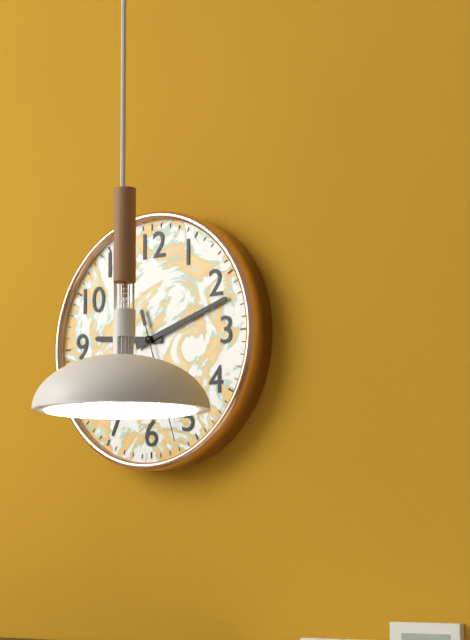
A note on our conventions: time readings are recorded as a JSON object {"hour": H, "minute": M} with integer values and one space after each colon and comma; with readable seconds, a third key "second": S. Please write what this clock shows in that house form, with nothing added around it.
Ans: {"hour": 9, "minute": 12, "second": 27}
